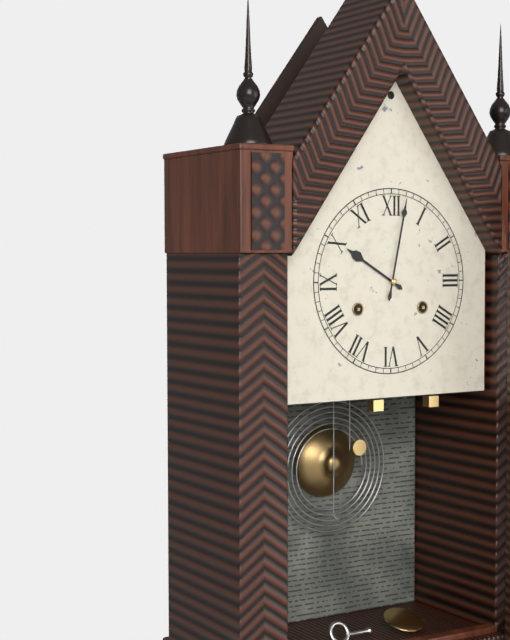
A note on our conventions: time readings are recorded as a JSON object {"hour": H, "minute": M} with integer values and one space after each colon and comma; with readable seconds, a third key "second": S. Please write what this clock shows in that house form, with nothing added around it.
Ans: {"hour": 10, "minute": 2}
